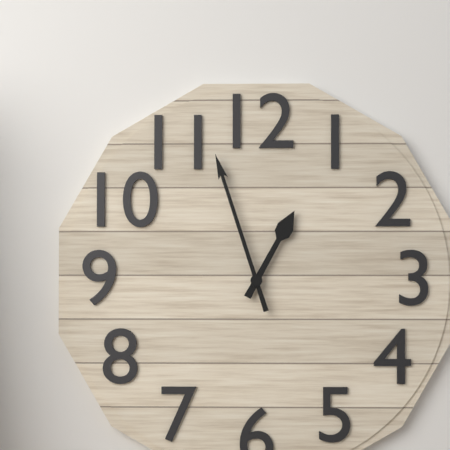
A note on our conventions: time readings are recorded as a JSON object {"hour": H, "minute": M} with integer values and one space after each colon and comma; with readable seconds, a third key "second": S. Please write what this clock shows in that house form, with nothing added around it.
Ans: {"hour": 12, "minute": 57}
